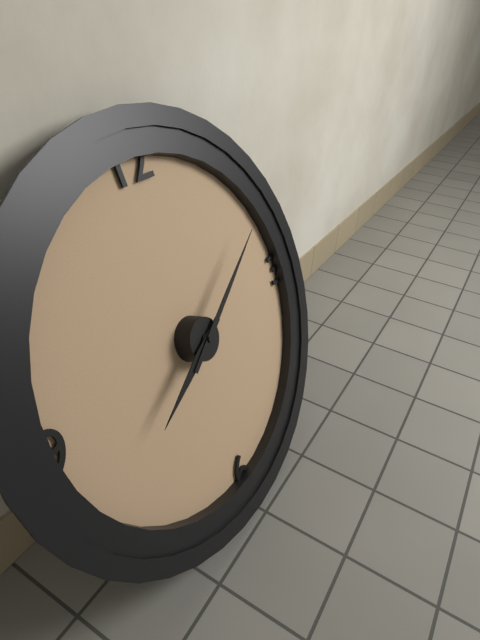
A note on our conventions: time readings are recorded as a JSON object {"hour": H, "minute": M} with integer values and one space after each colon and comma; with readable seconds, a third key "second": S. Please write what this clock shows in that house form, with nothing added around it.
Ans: {"hour": 8, "minute": 10}
